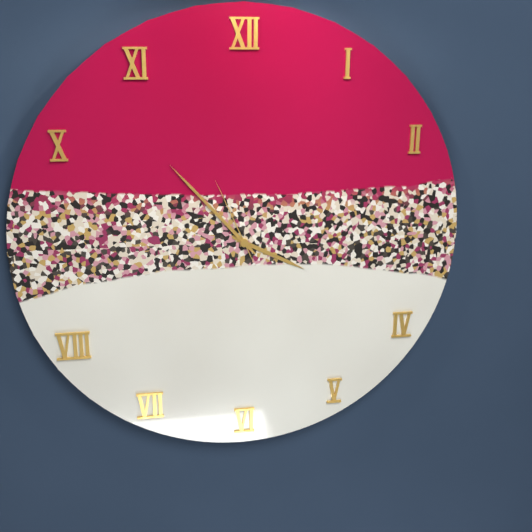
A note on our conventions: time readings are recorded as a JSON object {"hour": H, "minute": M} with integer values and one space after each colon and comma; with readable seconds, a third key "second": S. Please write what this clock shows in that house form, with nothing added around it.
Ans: {"hour": 3, "minute": 53, "second": 56}
